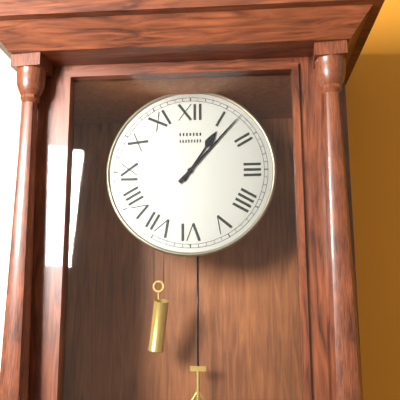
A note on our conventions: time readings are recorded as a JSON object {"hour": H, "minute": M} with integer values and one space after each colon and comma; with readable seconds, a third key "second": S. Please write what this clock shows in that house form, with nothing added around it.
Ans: {"hour": 1, "minute": 7}
